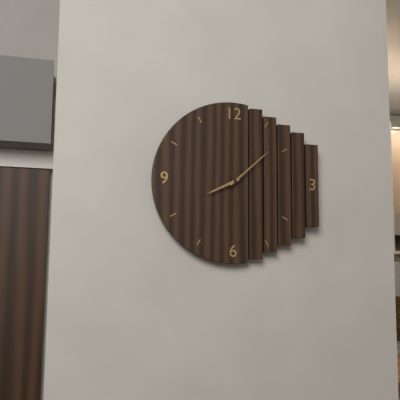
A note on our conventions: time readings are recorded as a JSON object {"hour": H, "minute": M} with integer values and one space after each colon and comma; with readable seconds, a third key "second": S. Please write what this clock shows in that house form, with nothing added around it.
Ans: {"hour": 8, "minute": 8}
